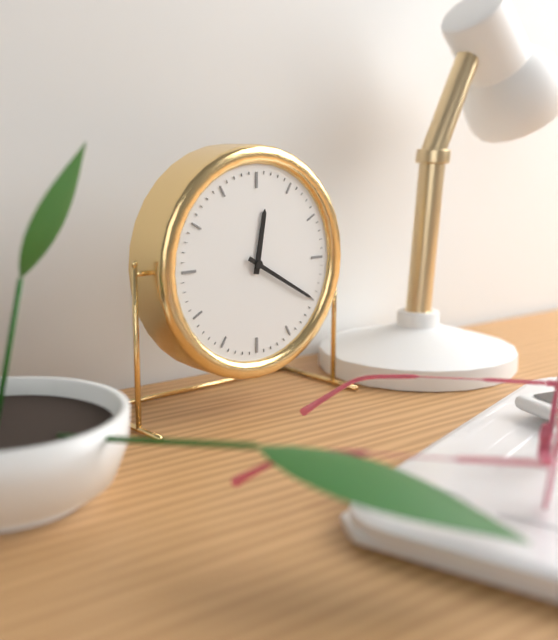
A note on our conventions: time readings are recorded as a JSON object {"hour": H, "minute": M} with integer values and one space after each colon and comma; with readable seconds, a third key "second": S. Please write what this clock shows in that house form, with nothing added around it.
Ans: {"hour": 12, "minute": 20}
